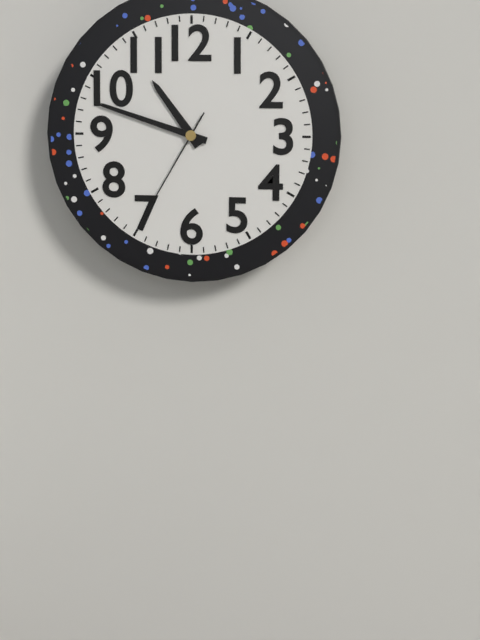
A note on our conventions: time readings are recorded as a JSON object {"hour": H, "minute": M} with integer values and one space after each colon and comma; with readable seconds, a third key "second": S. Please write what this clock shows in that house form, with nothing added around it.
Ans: {"hour": 10, "minute": 48, "second": 35}
